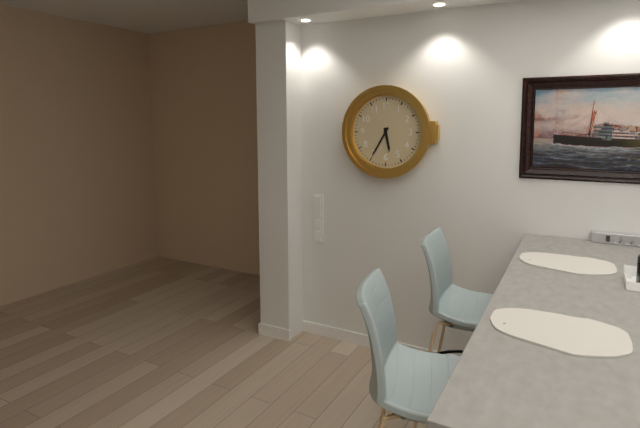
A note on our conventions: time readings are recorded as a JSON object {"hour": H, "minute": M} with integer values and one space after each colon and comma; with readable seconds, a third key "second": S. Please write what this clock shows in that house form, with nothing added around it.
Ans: {"hour": 5, "minute": 35}
